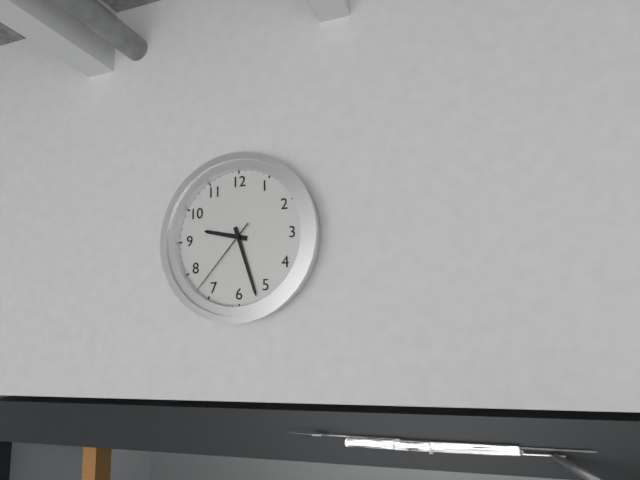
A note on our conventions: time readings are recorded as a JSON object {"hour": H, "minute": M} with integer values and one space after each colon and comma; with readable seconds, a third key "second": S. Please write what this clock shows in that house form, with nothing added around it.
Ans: {"hour": 9, "minute": 27, "second": 37}
